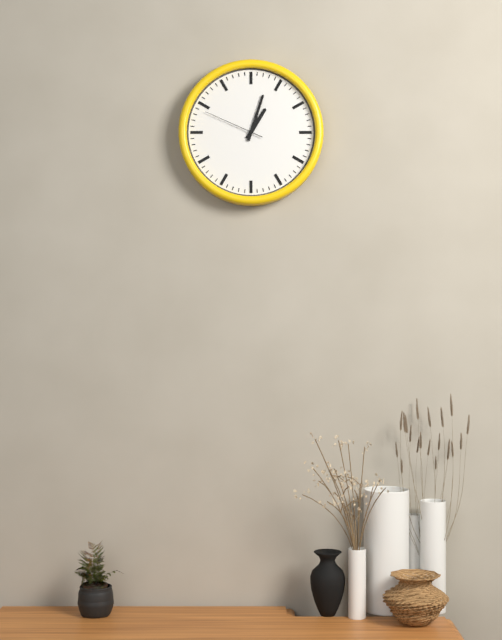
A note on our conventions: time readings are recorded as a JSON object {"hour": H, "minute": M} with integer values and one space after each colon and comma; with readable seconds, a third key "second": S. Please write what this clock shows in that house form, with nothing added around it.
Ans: {"hour": 1, "minute": 3, "second": 49}
